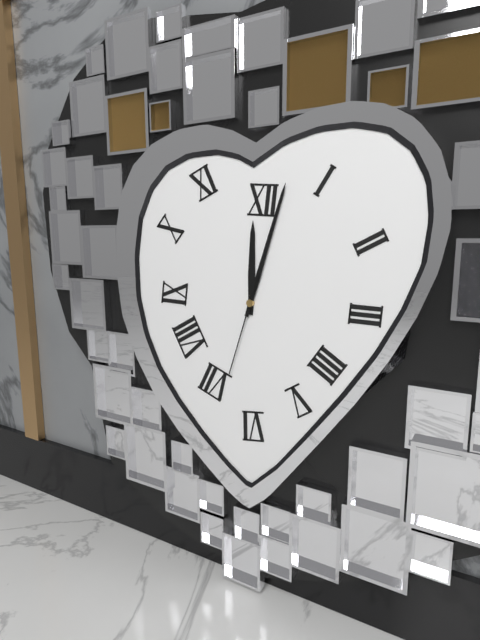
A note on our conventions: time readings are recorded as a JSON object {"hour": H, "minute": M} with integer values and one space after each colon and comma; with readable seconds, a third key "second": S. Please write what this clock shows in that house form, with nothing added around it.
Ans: {"hour": 12, "minute": 3, "second": 33}
